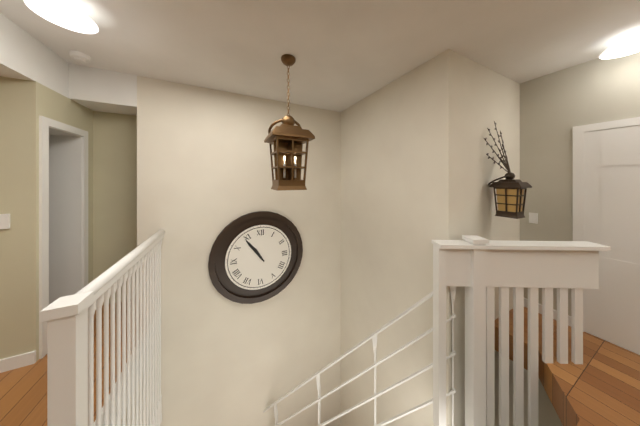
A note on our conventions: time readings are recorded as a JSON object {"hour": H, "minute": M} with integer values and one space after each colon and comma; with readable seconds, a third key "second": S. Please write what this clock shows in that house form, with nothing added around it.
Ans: {"hour": 10, "minute": 54}
